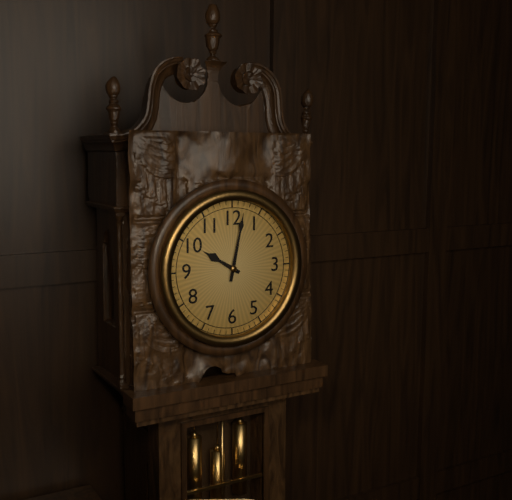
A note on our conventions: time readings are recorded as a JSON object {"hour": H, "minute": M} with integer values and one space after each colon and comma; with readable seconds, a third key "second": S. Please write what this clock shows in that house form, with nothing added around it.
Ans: {"hour": 10, "minute": 2}
